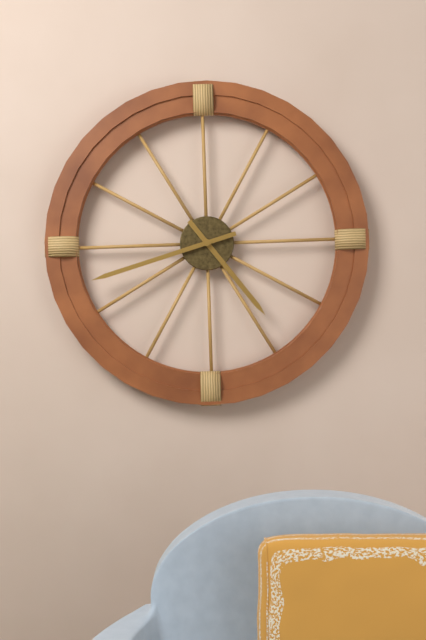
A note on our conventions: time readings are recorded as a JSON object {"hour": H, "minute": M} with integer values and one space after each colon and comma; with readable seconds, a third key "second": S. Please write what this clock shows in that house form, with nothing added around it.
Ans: {"hour": 4, "minute": 42}
